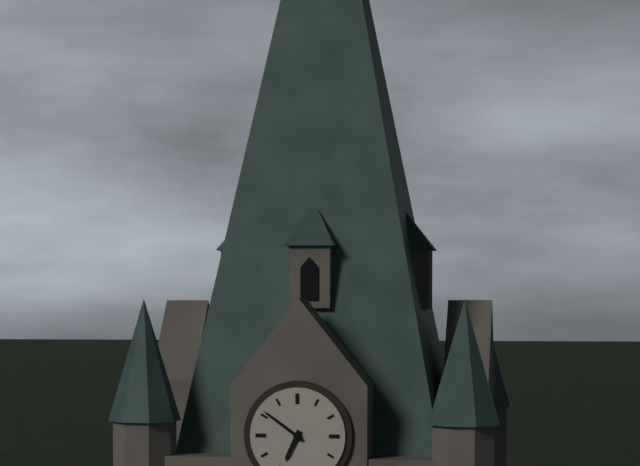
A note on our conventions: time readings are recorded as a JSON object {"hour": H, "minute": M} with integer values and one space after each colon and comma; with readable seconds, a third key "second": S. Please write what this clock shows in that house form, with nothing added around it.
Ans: {"hour": 6, "minute": 51}
